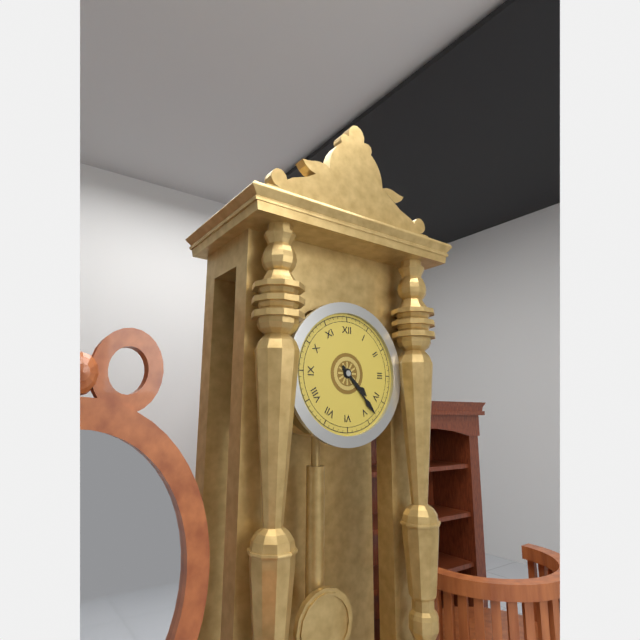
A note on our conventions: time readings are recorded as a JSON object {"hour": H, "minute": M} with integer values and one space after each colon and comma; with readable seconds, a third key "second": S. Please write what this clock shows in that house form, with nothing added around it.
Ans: {"hour": 4, "minute": 23}
